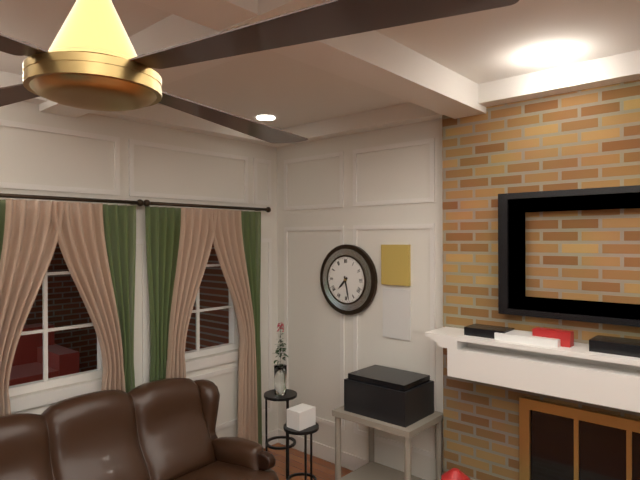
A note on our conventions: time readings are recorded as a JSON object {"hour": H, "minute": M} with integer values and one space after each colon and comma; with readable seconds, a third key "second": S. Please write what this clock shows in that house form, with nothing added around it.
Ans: {"hour": 7, "minute": 28}
